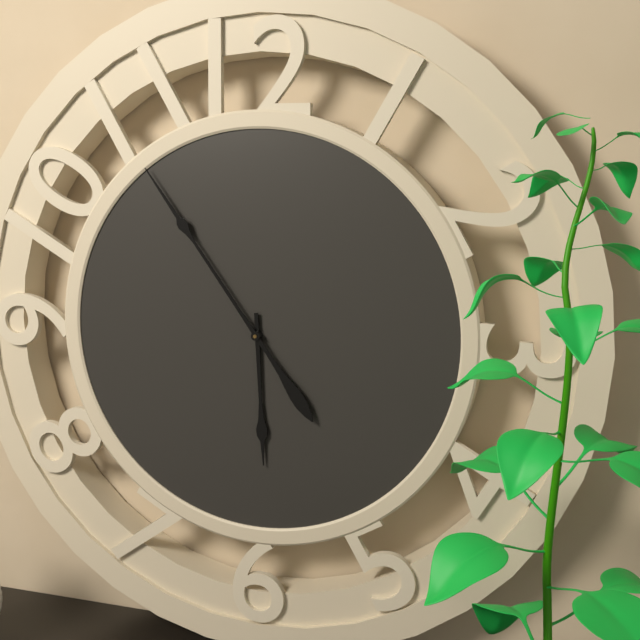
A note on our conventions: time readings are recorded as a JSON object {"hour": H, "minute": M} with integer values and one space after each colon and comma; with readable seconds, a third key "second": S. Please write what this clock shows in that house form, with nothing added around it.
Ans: {"hour": 5, "minute": 54}
